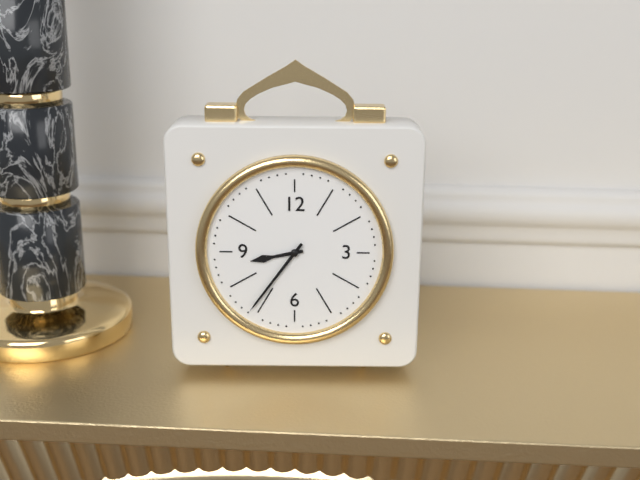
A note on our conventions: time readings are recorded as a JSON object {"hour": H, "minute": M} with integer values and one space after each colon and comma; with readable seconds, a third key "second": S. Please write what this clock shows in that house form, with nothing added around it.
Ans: {"hour": 8, "minute": 36}
